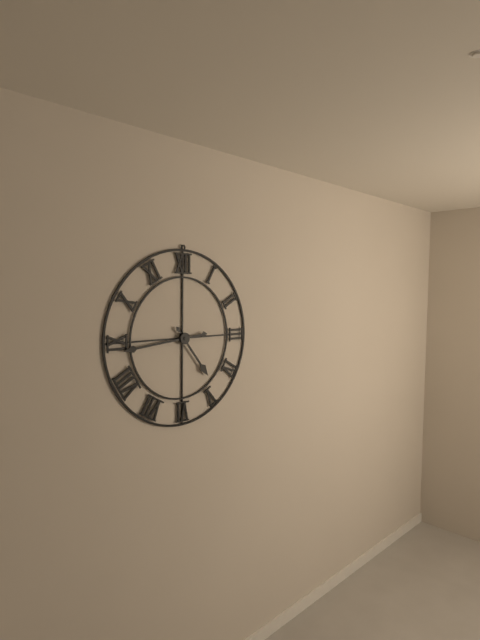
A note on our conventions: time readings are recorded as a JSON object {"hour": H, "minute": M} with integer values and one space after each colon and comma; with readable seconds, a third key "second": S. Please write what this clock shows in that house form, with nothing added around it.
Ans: {"hour": 4, "minute": 44}
